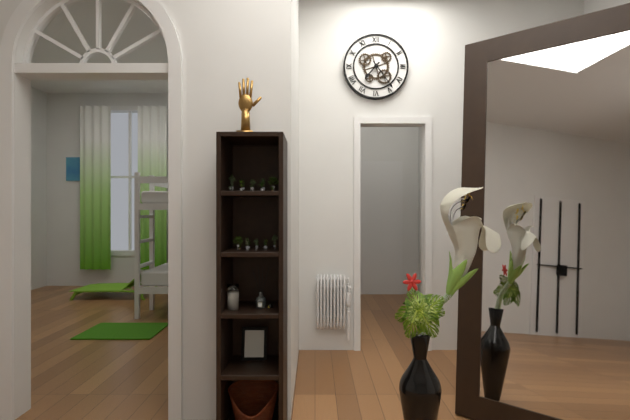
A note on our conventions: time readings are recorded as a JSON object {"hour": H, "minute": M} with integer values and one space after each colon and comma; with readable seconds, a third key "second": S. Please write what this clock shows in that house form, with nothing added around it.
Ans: {"hour": 7, "minute": 24}
